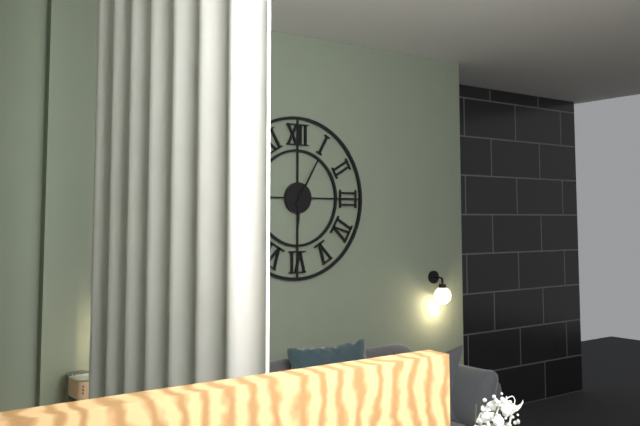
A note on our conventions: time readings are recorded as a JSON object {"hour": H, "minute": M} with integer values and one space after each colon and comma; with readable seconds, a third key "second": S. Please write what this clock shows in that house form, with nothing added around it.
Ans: {"hour": 6, "minute": 5}
